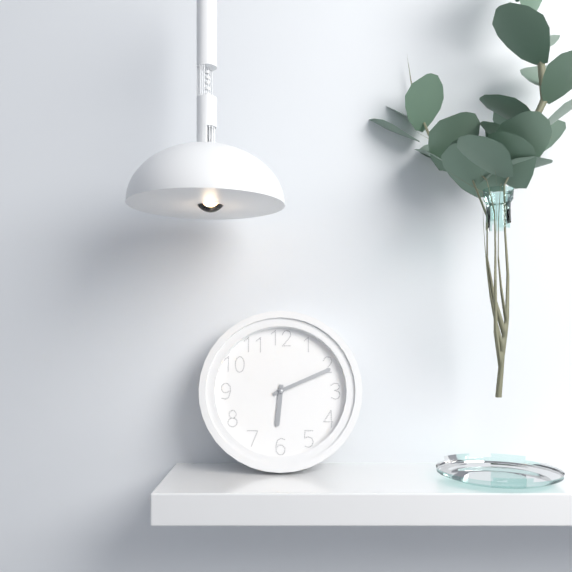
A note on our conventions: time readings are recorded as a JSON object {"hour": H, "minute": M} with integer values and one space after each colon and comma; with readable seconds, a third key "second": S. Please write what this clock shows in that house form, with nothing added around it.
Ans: {"hour": 6, "minute": 11}
